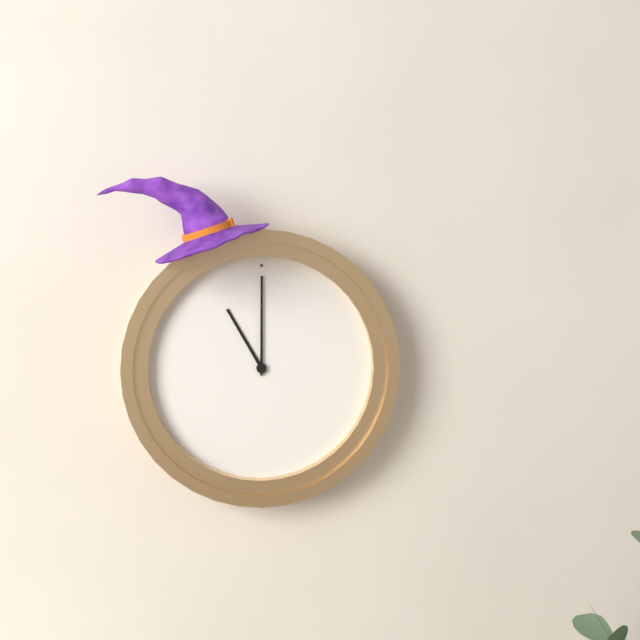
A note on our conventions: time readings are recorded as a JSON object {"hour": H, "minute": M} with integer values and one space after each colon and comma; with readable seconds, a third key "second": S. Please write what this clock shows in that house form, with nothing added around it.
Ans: {"hour": 11, "minute": 0}
